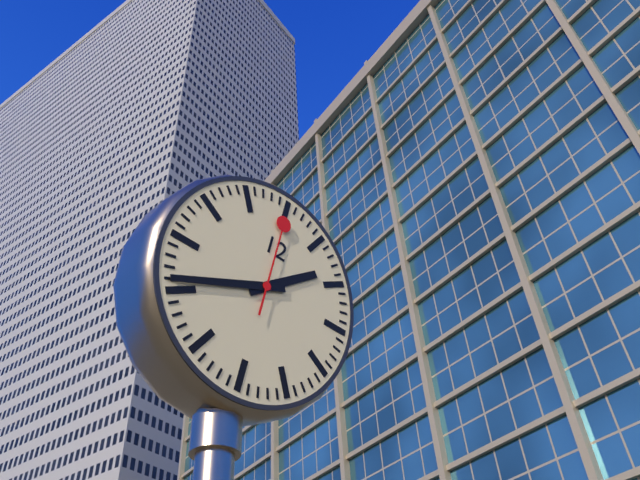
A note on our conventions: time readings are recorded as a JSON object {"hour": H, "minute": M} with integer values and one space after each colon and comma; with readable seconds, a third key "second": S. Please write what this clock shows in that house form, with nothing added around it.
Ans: {"hour": 1, "minute": 41, "second": 0}
